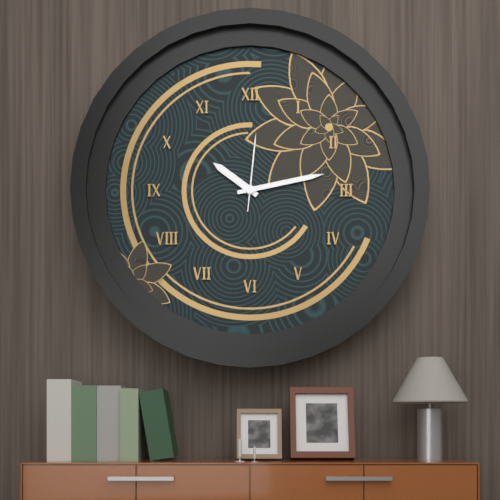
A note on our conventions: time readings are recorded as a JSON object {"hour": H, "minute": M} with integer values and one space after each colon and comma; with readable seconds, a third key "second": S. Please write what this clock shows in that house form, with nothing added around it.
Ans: {"hour": 10, "minute": 13, "second": 1}
